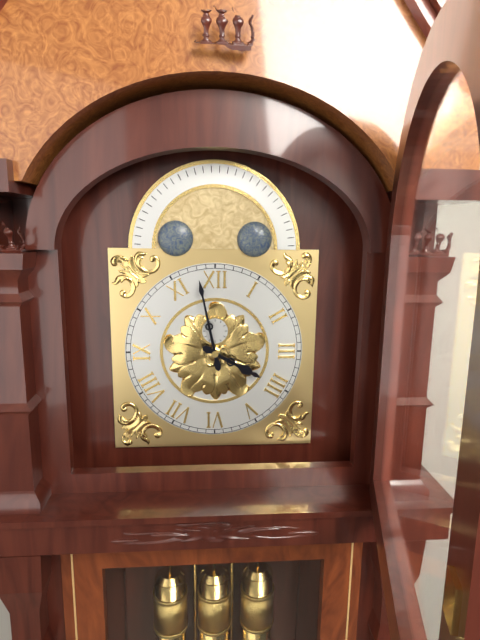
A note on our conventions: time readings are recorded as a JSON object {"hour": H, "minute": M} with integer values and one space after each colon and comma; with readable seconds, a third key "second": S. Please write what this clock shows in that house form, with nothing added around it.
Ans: {"hour": 3, "minute": 58}
